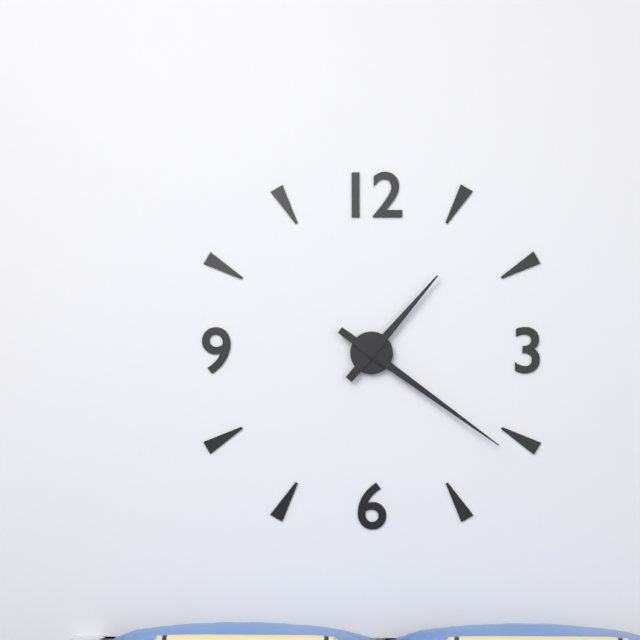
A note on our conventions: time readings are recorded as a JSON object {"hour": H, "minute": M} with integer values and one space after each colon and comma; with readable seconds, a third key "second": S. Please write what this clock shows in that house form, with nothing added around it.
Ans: {"hour": 1, "minute": 21}
